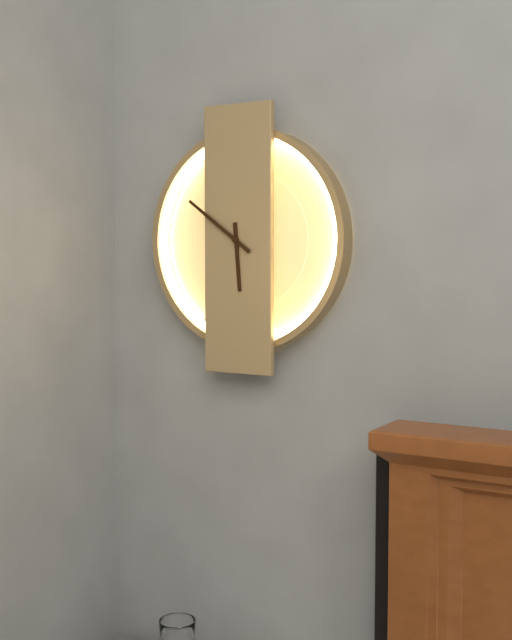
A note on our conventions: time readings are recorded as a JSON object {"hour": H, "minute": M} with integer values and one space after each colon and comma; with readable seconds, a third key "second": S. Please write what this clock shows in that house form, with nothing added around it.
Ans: {"hour": 5, "minute": 51}
